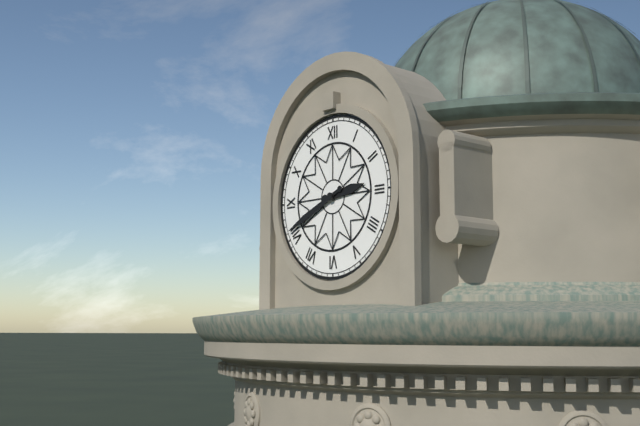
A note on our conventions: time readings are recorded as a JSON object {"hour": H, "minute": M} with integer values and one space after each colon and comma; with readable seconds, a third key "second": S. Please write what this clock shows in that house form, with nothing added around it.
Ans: {"hour": 2, "minute": 41}
